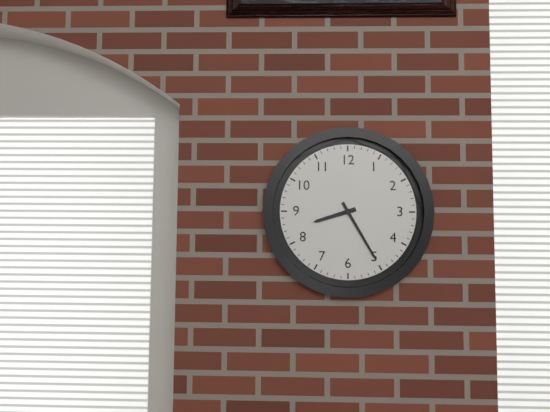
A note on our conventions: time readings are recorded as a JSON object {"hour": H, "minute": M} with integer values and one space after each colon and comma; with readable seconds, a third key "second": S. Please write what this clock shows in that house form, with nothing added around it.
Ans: {"hour": 8, "minute": 25}
